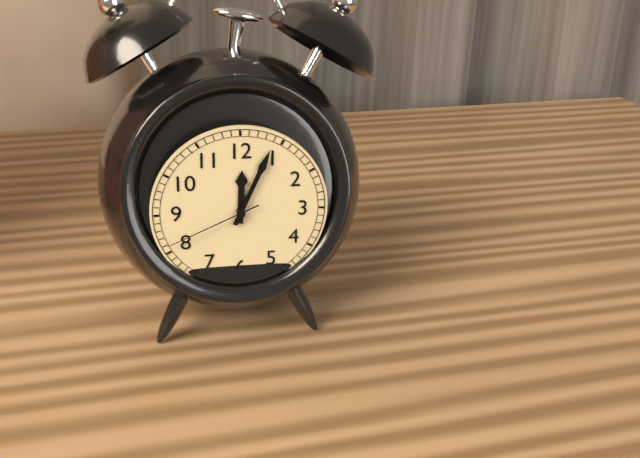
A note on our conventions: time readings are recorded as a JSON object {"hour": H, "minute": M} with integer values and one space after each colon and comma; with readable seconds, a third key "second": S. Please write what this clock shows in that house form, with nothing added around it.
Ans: {"hour": 12, "minute": 4, "second": 41}
